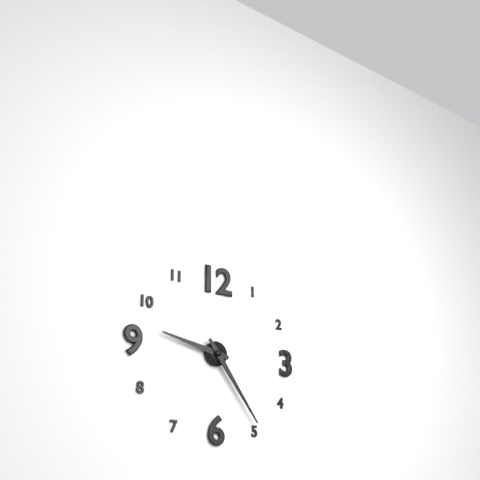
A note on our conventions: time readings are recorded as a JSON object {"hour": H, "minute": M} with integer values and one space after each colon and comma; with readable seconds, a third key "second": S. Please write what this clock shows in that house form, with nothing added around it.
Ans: {"hour": 9, "minute": 24}
